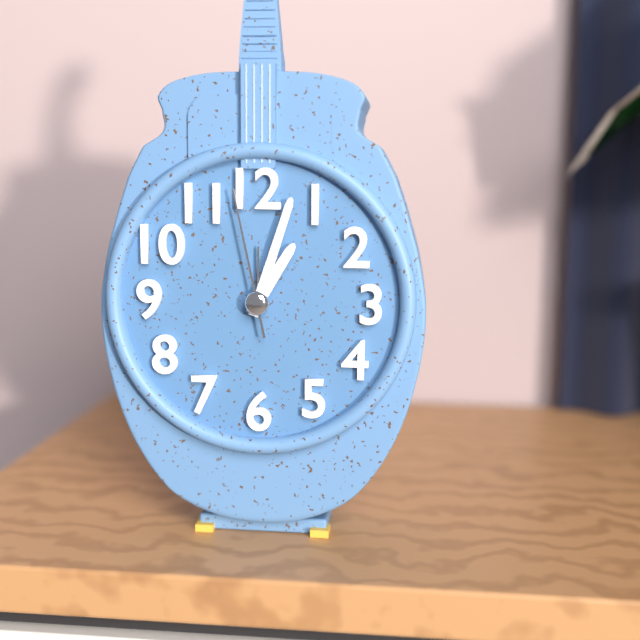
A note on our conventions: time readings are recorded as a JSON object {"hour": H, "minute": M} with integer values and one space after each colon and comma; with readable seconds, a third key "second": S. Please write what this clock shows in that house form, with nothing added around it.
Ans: {"hour": 1, "minute": 3, "second": 58}
